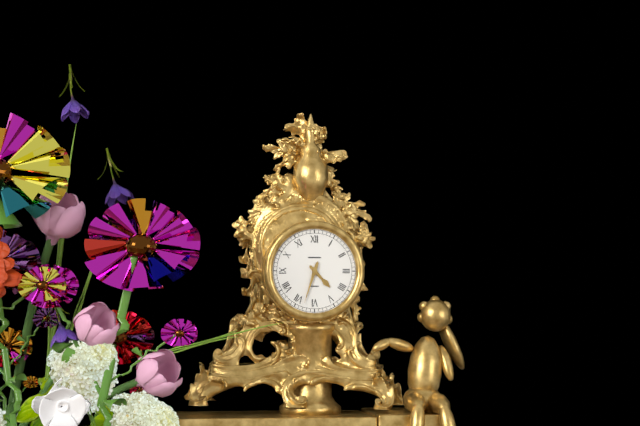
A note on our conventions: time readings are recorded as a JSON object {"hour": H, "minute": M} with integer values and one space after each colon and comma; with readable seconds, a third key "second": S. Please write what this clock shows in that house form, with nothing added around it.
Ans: {"hour": 4, "minute": 33}
